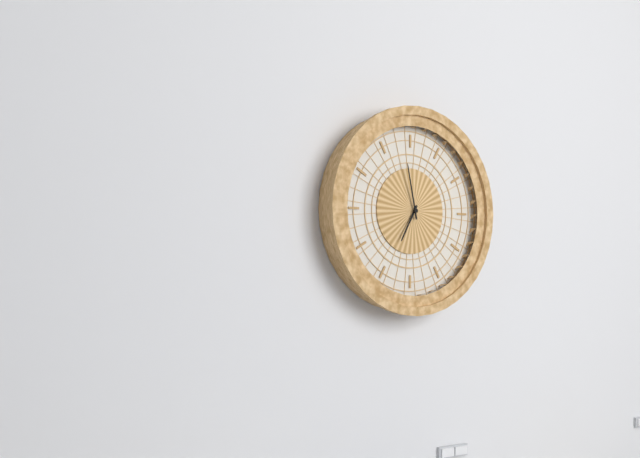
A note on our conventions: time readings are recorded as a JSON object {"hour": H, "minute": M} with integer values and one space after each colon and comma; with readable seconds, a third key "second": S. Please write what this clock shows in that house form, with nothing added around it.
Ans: {"hour": 6, "minute": 58}
